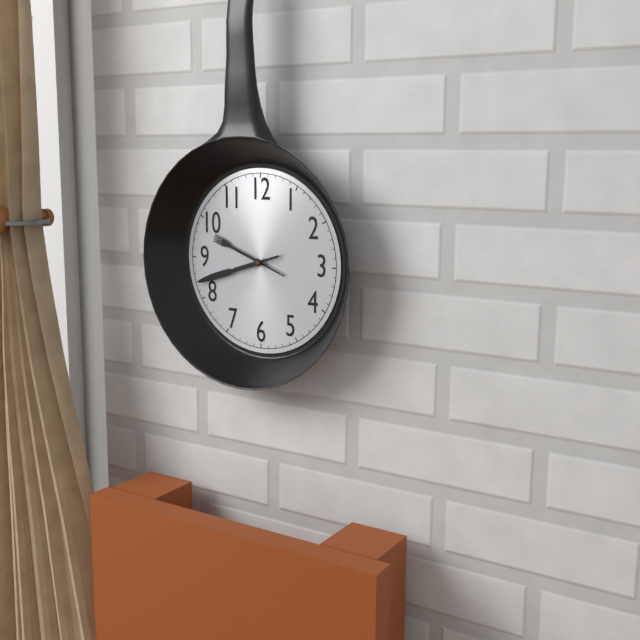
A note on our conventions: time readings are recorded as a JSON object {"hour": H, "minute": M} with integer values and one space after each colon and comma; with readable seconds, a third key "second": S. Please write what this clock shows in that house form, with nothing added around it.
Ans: {"hour": 9, "minute": 42}
